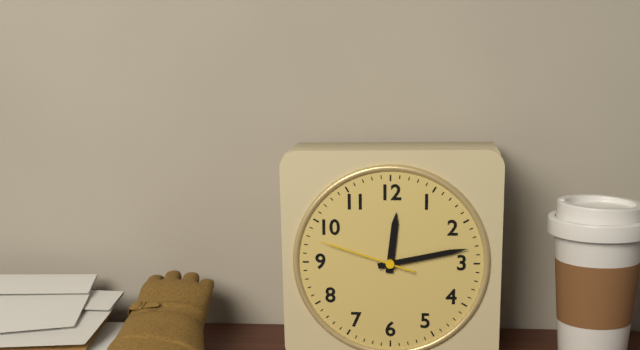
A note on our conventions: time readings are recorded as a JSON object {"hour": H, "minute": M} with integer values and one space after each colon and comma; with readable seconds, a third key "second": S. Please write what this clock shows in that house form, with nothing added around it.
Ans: {"hour": 12, "minute": 13, "second": 48}
